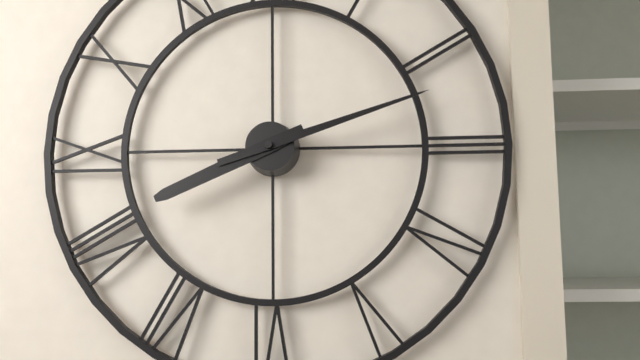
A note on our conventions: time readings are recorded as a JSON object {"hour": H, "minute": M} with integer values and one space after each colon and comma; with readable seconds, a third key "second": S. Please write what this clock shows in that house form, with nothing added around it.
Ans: {"hour": 8, "minute": 12}
